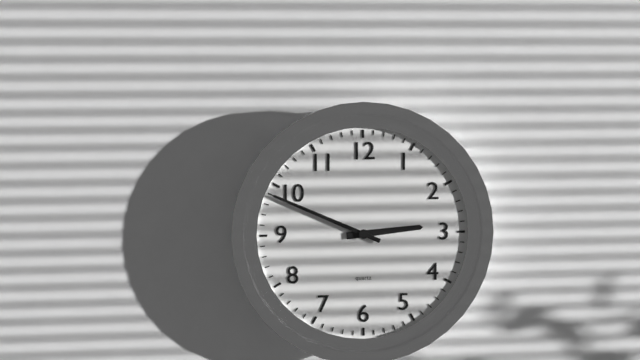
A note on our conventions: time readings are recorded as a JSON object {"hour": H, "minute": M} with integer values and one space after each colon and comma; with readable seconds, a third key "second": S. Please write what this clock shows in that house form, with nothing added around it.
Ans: {"hour": 2, "minute": 49}
